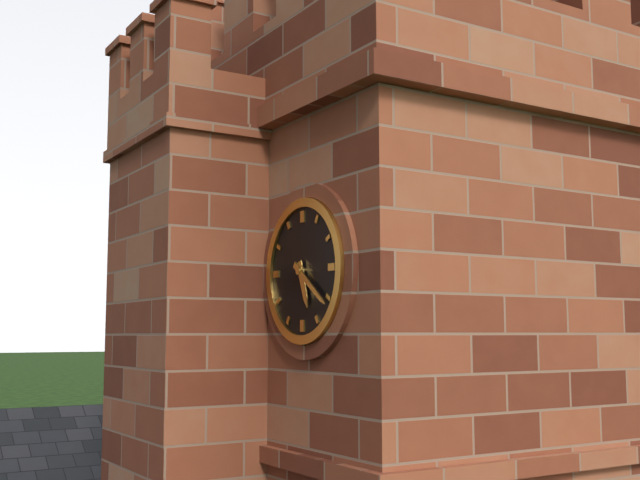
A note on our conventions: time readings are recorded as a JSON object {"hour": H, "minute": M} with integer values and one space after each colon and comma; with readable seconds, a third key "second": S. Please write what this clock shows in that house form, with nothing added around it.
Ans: {"hour": 5, "minute": 21}
